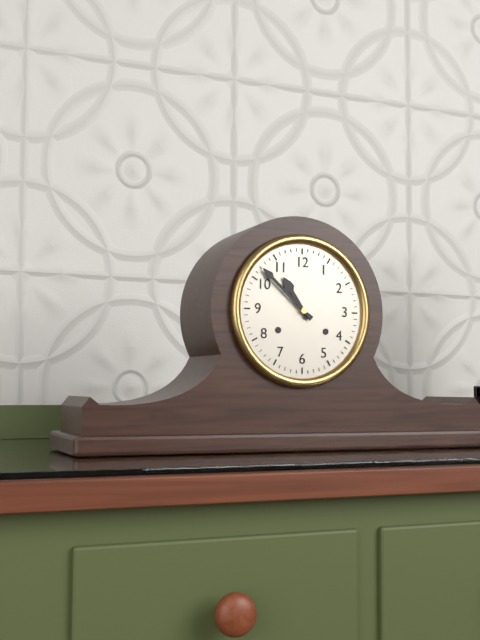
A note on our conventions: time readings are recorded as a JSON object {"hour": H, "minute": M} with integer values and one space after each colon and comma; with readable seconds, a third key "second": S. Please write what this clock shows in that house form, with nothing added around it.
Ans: {"hour": 10, "minute": 52}
